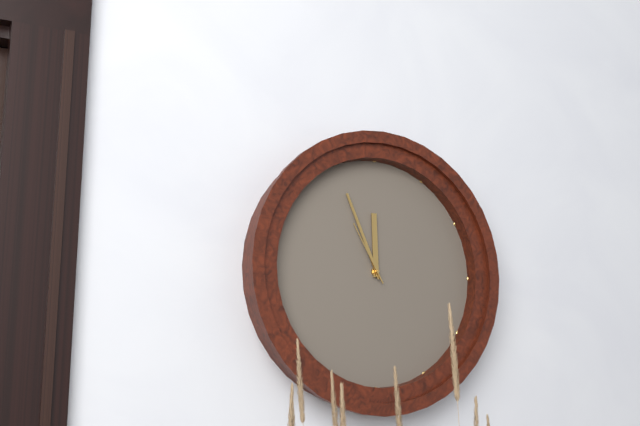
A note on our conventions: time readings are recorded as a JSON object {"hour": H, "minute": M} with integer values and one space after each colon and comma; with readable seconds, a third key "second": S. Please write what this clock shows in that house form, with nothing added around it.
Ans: {"hour": 11, "minute": 56, "second": 55}
